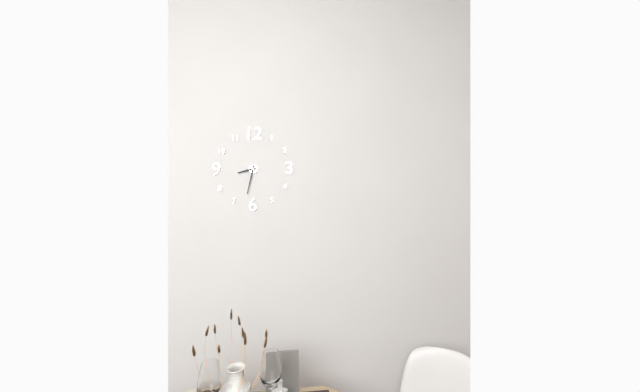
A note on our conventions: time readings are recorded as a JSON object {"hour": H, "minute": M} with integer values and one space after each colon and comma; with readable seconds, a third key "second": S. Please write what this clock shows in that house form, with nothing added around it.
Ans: {"hour": 8, "minute": 32}
